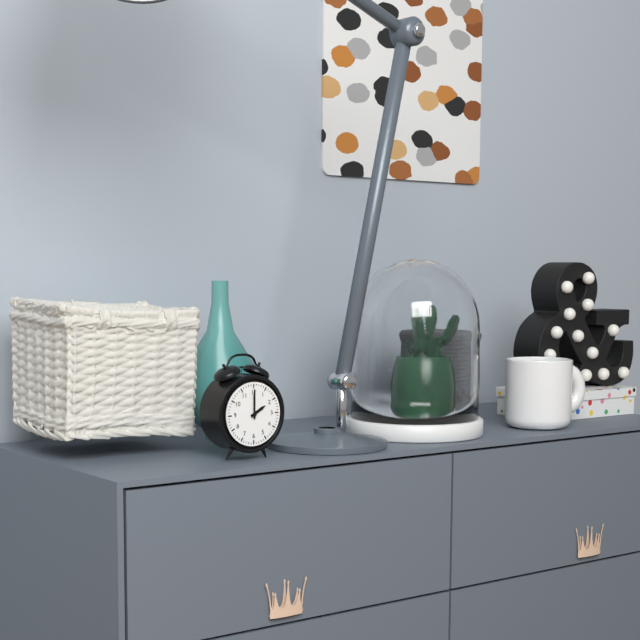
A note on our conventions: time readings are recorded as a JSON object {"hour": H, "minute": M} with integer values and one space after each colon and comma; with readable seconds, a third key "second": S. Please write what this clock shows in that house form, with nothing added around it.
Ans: {"hour": 2, "minute": 0}
